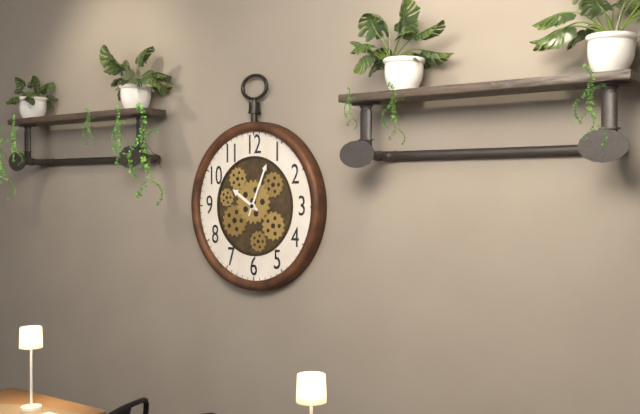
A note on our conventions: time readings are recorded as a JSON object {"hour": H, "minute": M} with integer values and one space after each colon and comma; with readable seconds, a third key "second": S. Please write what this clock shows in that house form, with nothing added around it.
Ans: {"hour": 10, "minute": 4}
